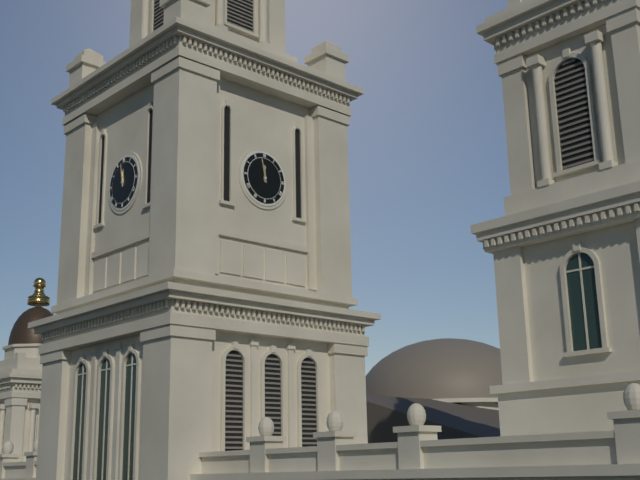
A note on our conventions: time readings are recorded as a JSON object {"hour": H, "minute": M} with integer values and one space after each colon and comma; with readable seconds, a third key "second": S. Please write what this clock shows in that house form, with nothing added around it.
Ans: {"hour": 11, "minute": 58}
